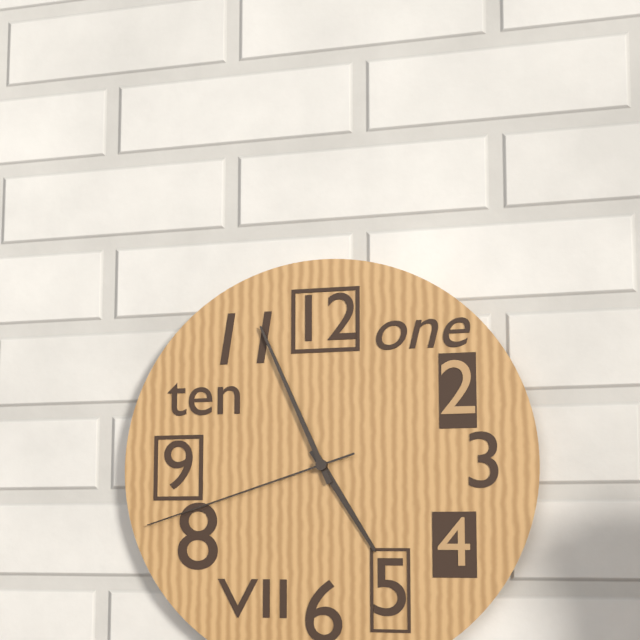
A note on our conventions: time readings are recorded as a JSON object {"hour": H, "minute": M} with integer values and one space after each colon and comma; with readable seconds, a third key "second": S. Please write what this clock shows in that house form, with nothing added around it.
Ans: {"hour": 4, "minute": 56, "second": 42}
